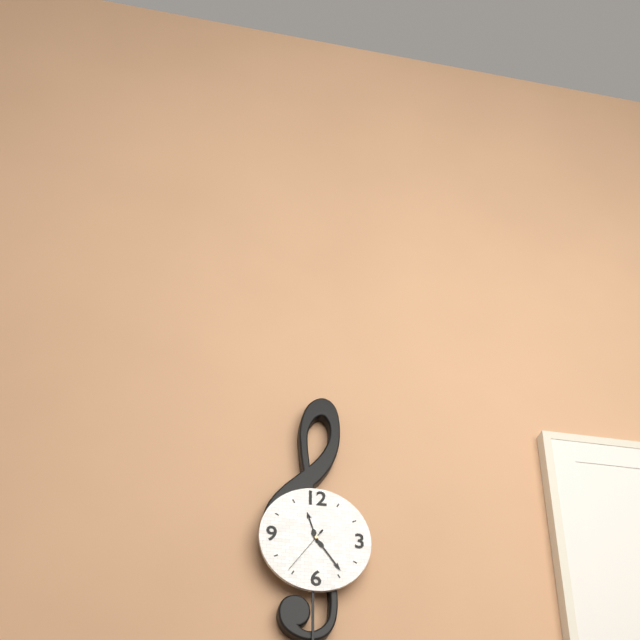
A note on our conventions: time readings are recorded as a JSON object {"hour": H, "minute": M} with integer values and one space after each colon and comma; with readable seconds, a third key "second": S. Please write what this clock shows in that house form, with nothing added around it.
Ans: {"hour": 11, "minute": 24, "second": 36}
